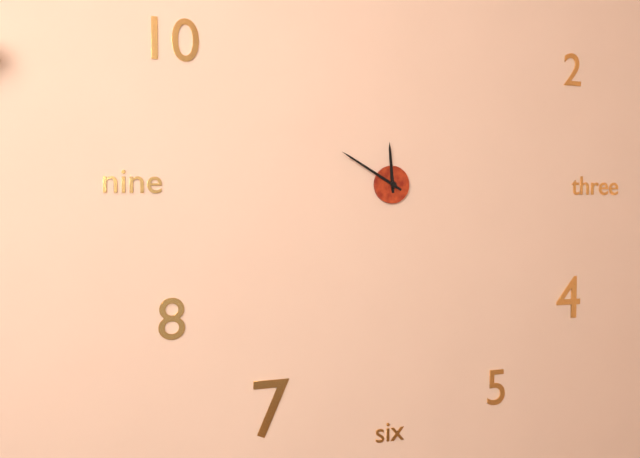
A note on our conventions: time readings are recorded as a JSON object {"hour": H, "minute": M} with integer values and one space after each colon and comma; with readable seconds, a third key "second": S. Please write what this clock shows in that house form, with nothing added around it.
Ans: {"hour": 11, "minute": 50}
